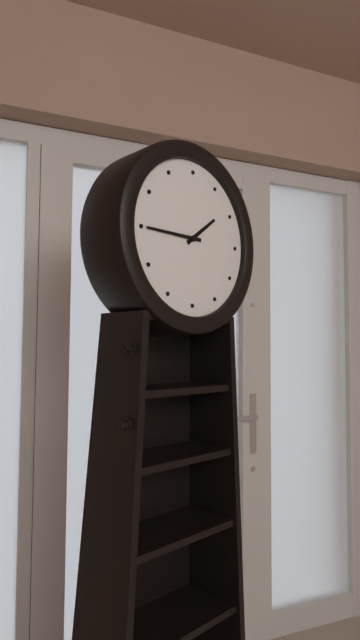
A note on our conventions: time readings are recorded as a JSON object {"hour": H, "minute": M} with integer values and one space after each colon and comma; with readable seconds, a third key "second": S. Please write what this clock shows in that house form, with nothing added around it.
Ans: {"hour": 1, "minute": 45}
